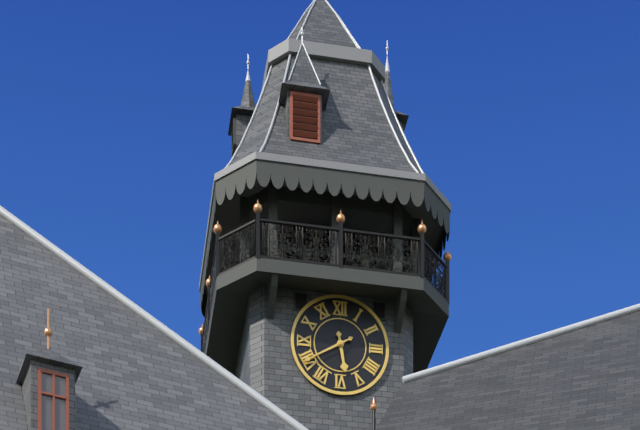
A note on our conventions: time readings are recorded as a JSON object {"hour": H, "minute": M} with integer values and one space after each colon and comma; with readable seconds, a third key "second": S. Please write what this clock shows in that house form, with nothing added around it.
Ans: {"hour": 5, "minute": 40}
